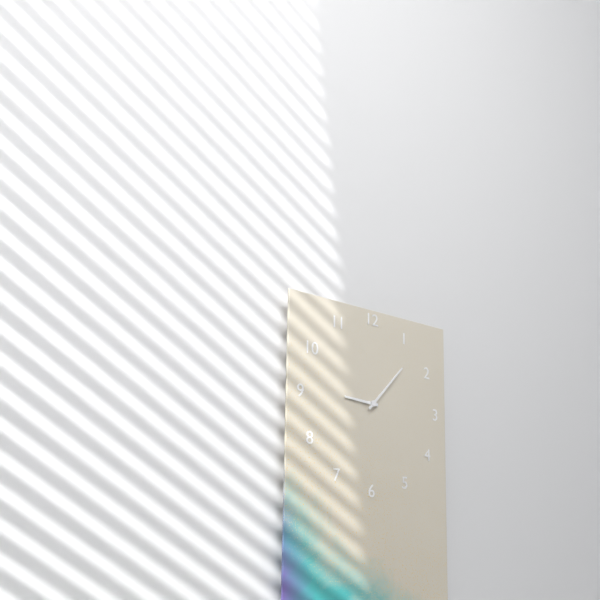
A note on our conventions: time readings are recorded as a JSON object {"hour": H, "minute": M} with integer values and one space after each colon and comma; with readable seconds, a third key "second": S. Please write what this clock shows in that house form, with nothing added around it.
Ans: {"hour": 9, "minute": 7}
